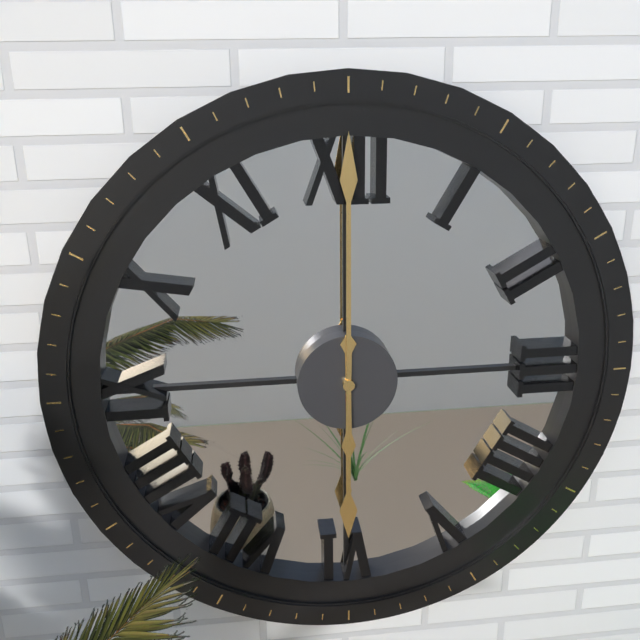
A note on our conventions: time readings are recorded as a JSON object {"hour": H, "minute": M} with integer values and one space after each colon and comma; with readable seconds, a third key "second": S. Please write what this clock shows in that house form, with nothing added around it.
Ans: {"hour": 6, "minute": 0}
